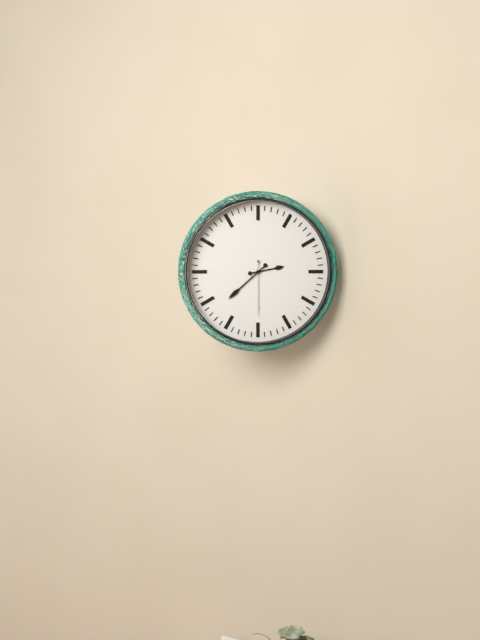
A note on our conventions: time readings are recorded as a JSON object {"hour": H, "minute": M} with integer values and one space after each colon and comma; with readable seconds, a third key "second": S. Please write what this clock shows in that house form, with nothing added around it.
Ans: {"hour": 2, "minute": 38, "second": 30}
